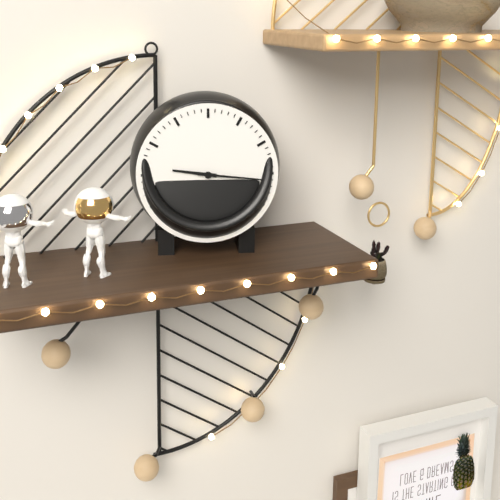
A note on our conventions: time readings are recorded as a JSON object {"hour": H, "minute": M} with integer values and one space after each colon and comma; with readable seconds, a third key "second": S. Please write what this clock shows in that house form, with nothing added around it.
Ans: {"hour": 9, "minute": 16}
